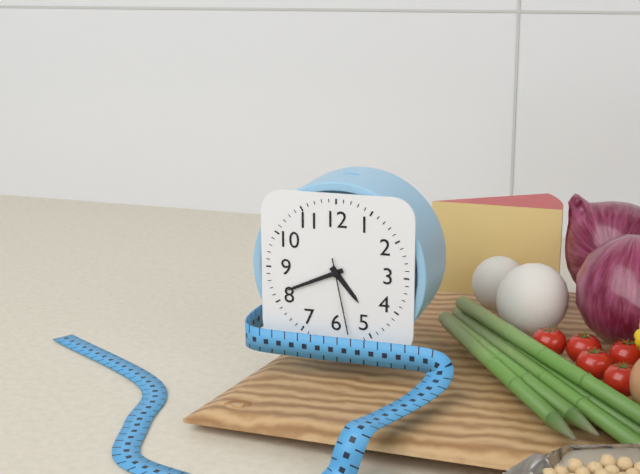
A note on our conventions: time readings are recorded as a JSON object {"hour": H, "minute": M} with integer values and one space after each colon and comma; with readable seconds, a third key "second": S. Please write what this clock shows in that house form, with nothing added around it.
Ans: {"hour": 4, "minute": 41, "second": 28}
